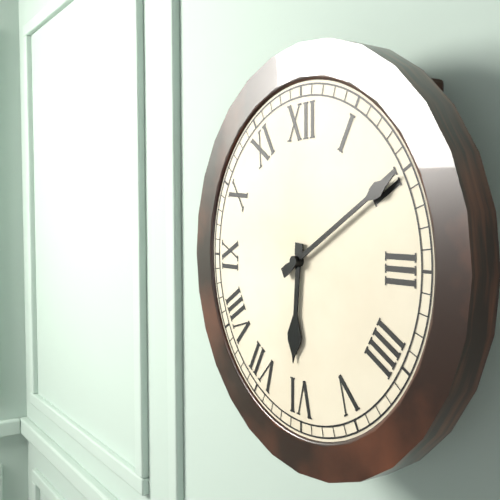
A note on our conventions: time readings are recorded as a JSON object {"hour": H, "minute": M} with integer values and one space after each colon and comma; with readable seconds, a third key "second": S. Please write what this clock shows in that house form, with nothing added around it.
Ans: {"hour": 6, "minute": 10}
